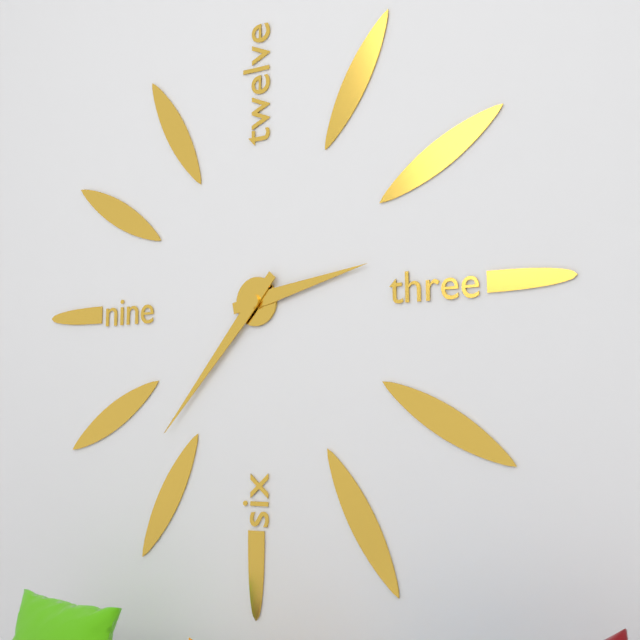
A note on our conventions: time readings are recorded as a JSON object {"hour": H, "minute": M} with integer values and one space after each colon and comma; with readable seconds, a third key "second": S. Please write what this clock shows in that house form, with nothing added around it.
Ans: {"hour": 2, "minute": 37}
